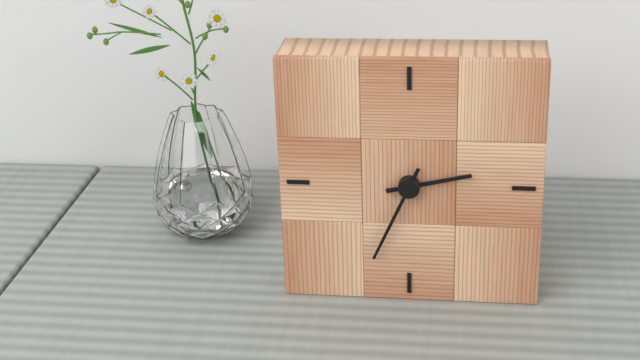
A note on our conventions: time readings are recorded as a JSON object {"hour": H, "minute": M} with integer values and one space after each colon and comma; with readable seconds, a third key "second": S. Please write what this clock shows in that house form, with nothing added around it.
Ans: {"hour": 2, "minute": 34}
